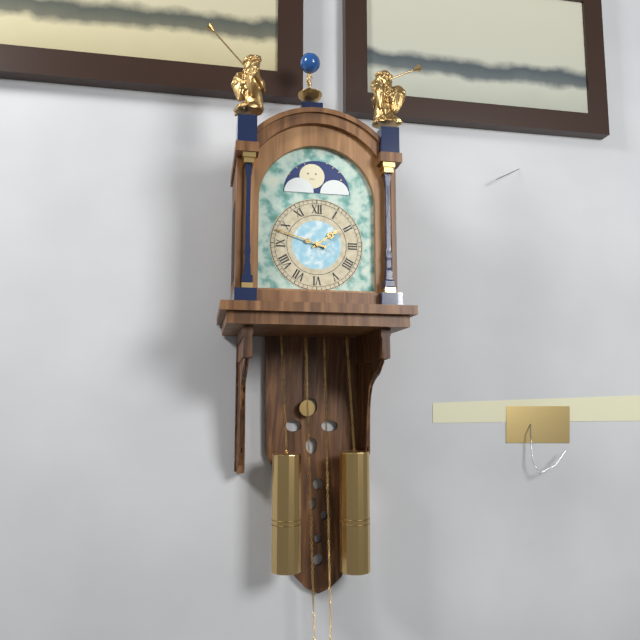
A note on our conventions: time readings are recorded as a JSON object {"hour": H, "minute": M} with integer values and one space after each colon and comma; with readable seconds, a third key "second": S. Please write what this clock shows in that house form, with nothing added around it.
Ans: {"hour": 1, "minute": 48}
